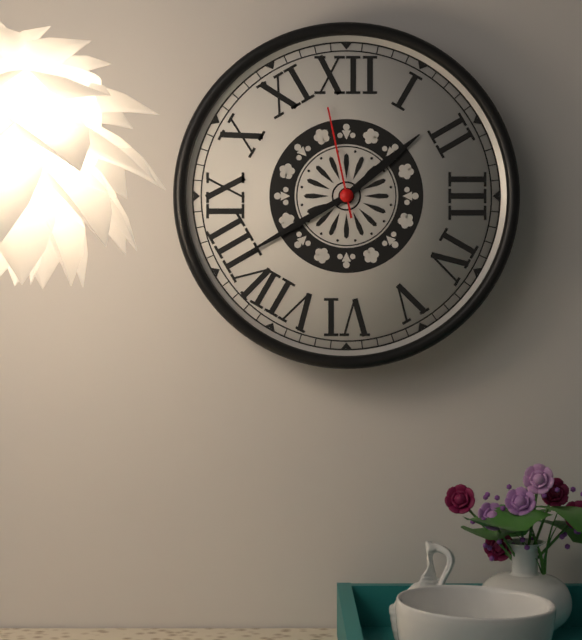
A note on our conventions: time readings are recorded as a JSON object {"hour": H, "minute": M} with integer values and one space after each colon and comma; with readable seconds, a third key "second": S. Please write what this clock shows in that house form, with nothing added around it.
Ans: {"hour": 1, "minute": 40, "second": 58}
